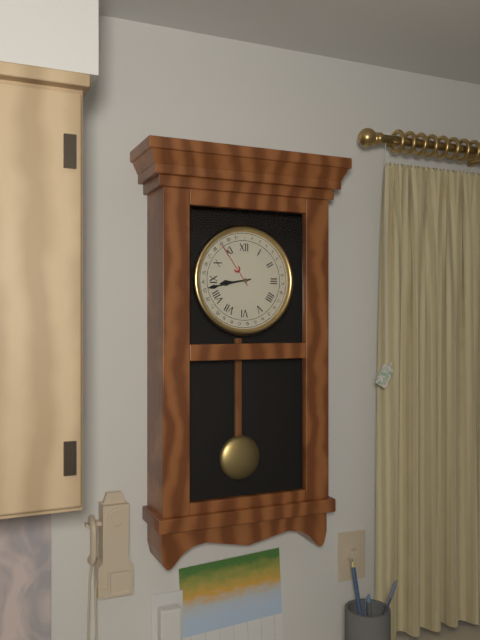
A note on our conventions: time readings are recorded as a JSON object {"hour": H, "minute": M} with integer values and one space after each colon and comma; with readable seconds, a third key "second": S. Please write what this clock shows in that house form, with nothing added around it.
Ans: {"hour": 8, "minute": 43}
